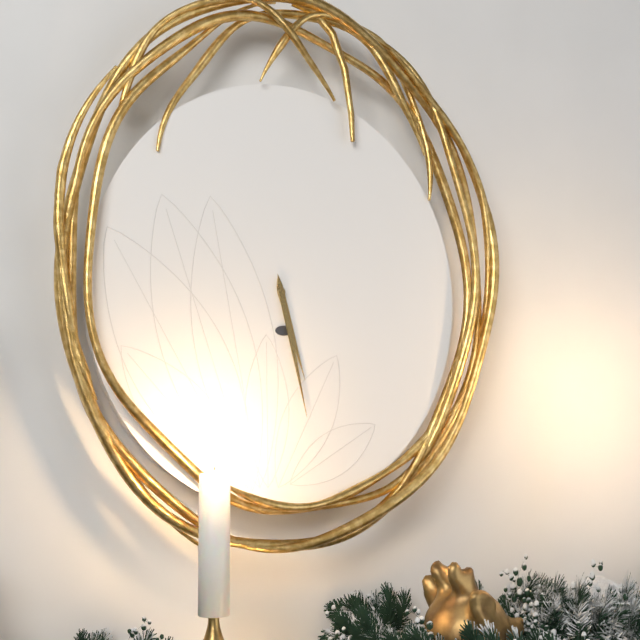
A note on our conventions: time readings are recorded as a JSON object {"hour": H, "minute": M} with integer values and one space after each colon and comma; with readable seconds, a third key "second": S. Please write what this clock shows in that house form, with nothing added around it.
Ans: {"hour": 5, "minute": 28}
